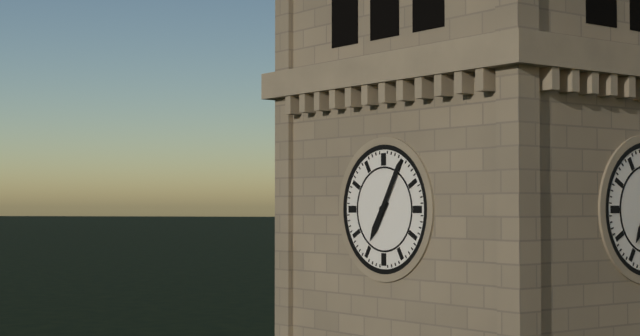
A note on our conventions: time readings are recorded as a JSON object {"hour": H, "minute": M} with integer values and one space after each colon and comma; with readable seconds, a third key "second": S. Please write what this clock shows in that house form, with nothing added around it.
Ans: {"hour": 7, "minute": 5}
